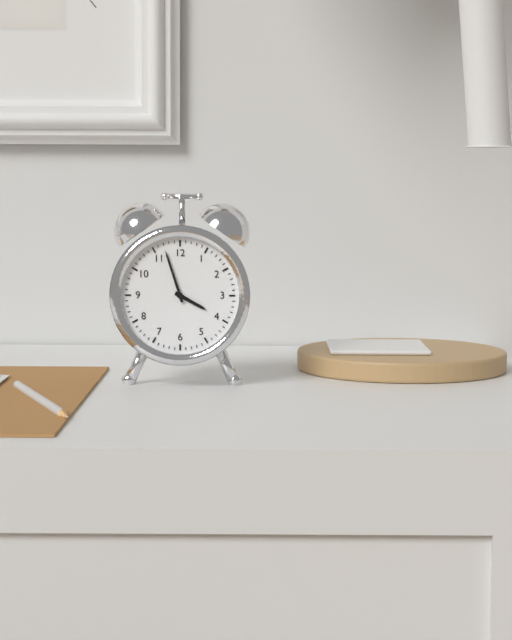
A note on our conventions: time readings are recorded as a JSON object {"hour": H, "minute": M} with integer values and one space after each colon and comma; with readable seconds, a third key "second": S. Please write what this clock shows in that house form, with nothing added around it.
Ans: {"hour": 3, "minute": 57}
